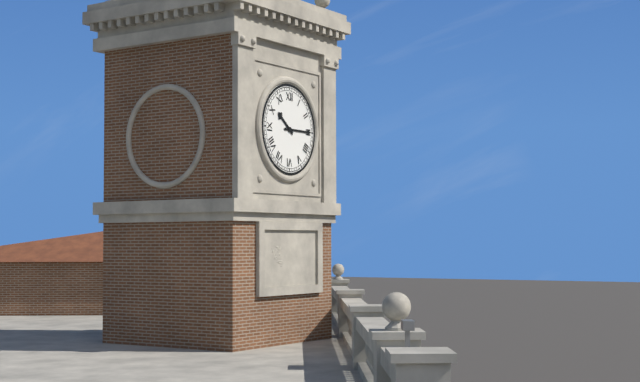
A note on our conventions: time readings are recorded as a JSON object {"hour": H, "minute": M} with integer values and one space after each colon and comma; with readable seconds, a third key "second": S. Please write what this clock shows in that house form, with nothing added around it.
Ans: {"hour": 10, "minute": 15}
